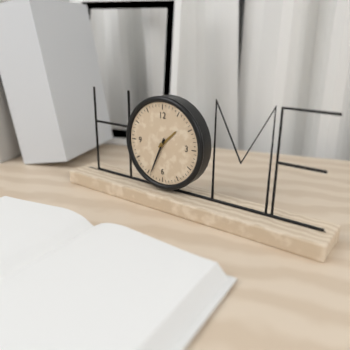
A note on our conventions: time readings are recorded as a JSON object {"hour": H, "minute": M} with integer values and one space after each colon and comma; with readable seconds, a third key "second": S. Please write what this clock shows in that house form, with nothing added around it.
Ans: {"hour": 1, "minute": 34}
